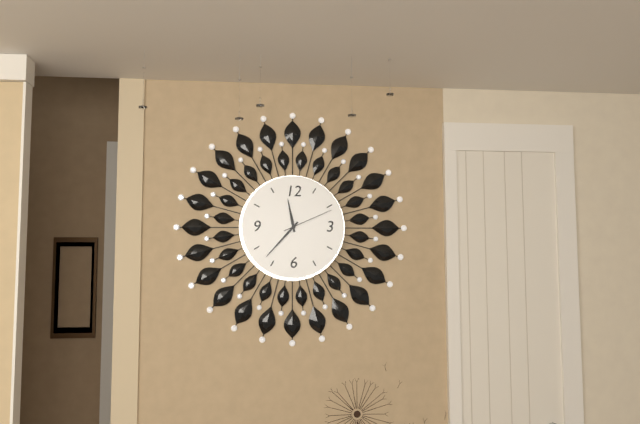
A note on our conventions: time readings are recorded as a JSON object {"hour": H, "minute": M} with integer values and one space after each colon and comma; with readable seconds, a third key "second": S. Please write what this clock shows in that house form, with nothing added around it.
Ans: {"hour": 11, "minute": 37, "second": 11}
